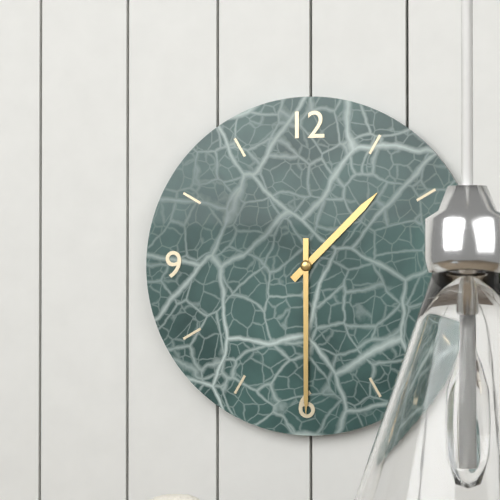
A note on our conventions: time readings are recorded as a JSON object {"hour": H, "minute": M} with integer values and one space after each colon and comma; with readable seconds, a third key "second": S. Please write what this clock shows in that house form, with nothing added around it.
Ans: {"hour": 1, "minute": 30}
